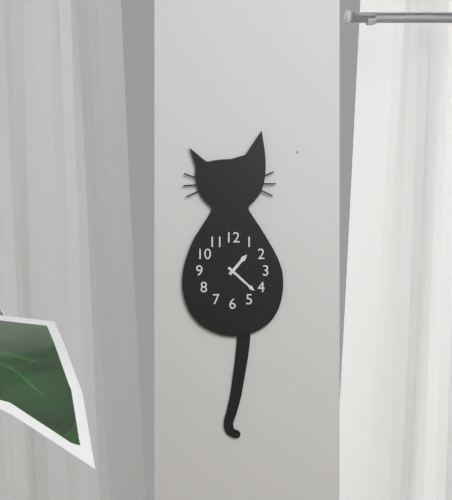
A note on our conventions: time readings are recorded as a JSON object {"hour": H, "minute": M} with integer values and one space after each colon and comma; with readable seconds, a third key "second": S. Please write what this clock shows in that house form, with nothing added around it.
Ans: {"hour": 1, "minute": 22}
